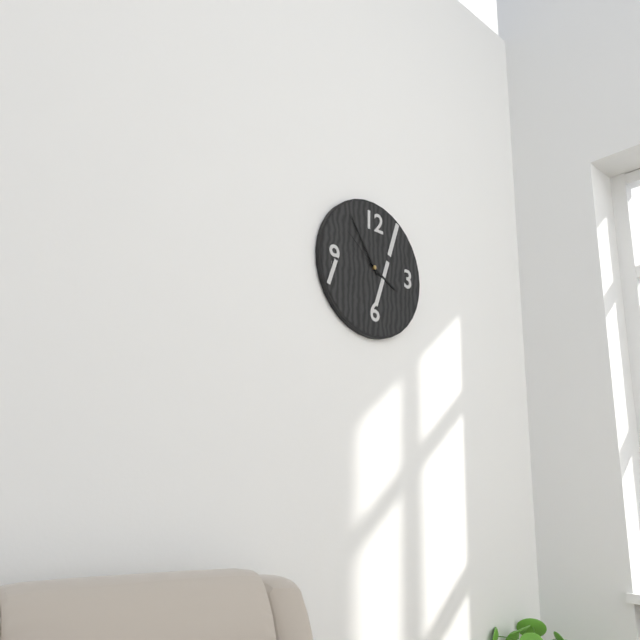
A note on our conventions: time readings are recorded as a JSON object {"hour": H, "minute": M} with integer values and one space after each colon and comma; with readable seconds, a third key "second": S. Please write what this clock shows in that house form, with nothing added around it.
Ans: {"hour": 3, "minute": 54, "second": 51}
